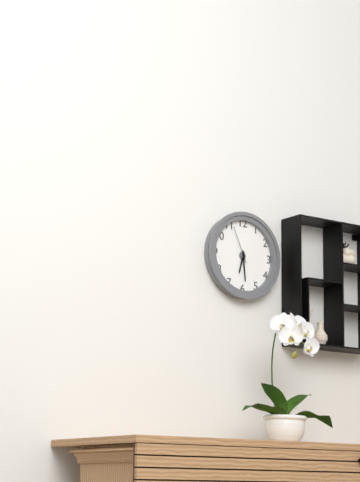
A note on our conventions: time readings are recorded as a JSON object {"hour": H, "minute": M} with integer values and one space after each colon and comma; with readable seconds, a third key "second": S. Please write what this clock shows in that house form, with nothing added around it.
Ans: {"hour": 6, "minute": 29}
